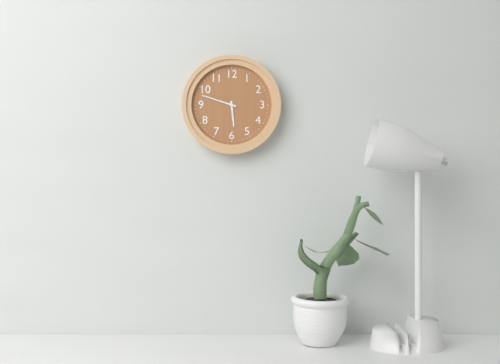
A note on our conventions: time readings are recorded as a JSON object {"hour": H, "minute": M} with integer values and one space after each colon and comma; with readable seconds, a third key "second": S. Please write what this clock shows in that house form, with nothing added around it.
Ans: {"hour": 5, "minute": 48}
